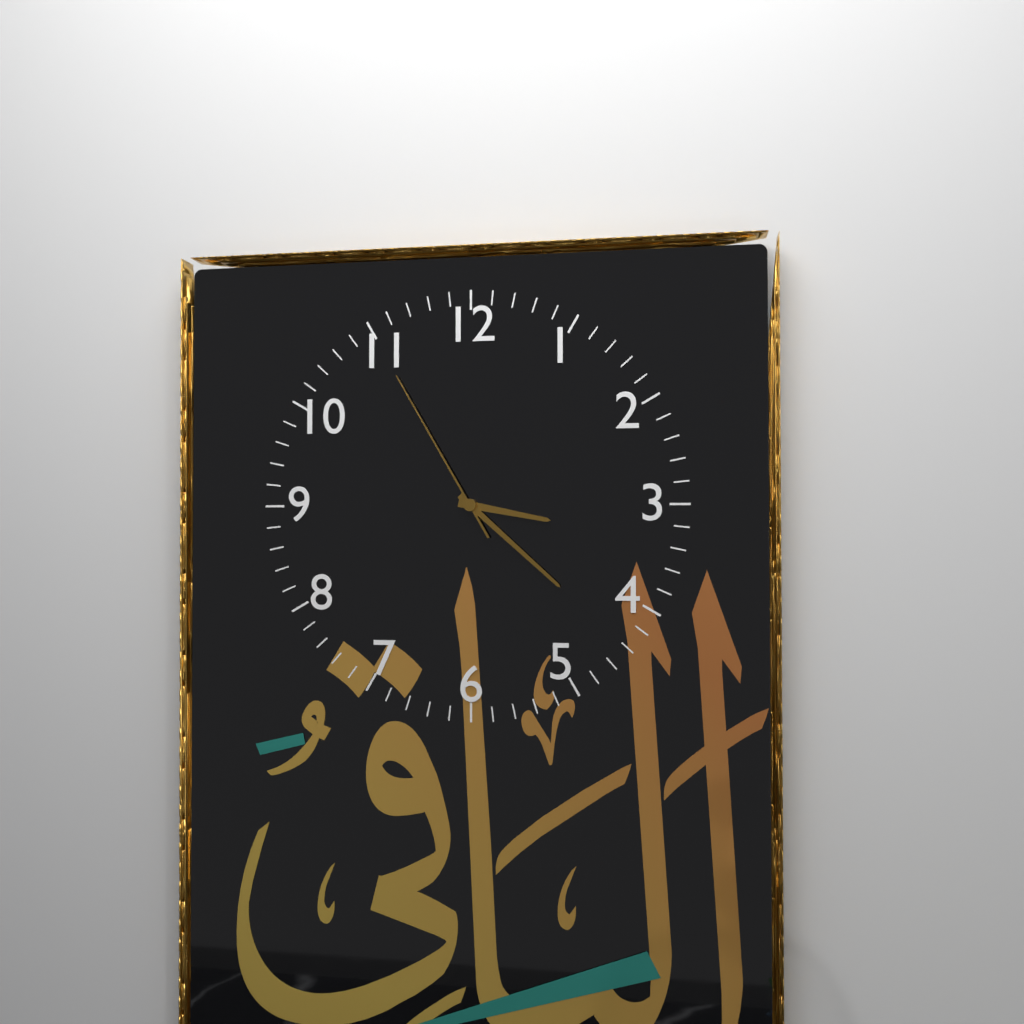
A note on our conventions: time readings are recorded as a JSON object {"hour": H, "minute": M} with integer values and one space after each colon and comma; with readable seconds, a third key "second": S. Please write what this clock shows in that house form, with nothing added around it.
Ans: {"hour": 3, "minute": 22, "second": 55}
